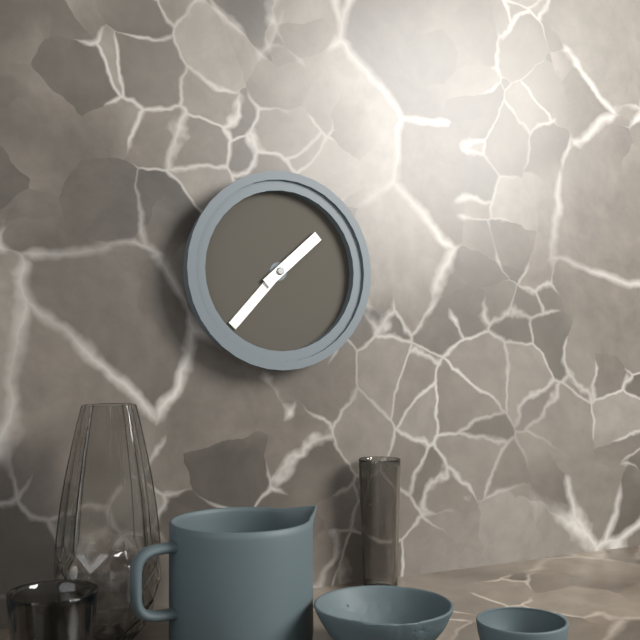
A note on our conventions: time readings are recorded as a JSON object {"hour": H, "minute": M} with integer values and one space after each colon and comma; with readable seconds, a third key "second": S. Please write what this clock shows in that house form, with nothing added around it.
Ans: {"hour": 1, "minute": 37}
